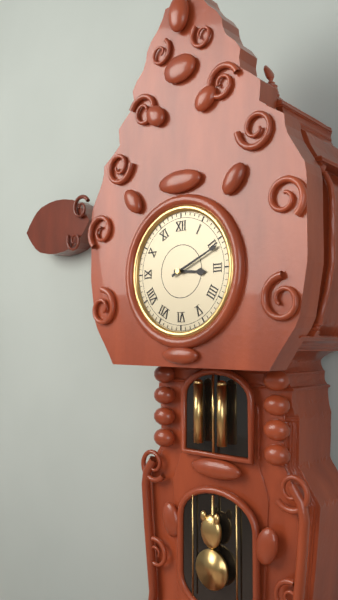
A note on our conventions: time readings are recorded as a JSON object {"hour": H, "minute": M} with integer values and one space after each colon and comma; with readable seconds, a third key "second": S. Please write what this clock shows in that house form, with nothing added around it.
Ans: {"hour": 3, "minute": 11}
